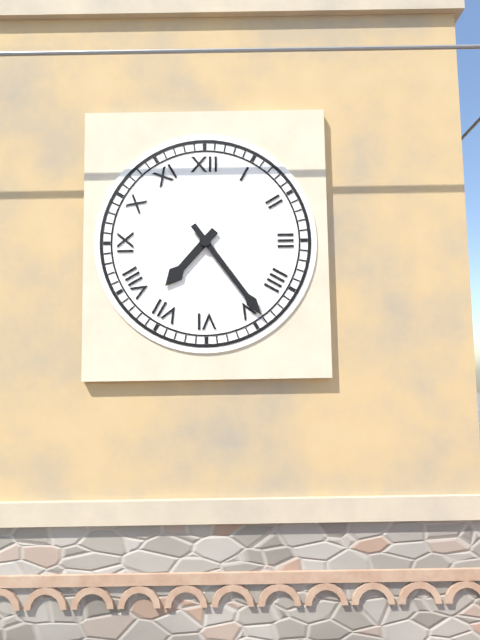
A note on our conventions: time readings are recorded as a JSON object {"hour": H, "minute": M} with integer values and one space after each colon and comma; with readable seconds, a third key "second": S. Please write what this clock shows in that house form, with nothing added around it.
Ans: {"hour": 7, "minute": 24}
